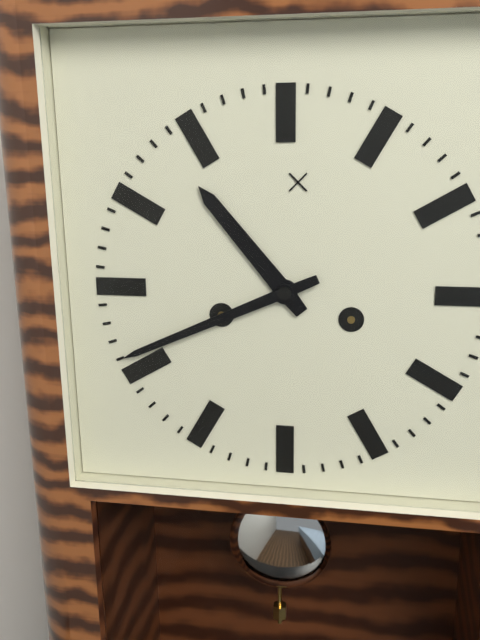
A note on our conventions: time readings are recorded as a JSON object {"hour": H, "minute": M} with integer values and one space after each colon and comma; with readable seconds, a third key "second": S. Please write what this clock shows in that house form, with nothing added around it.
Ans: {"hour": 10, "minute": 41}
